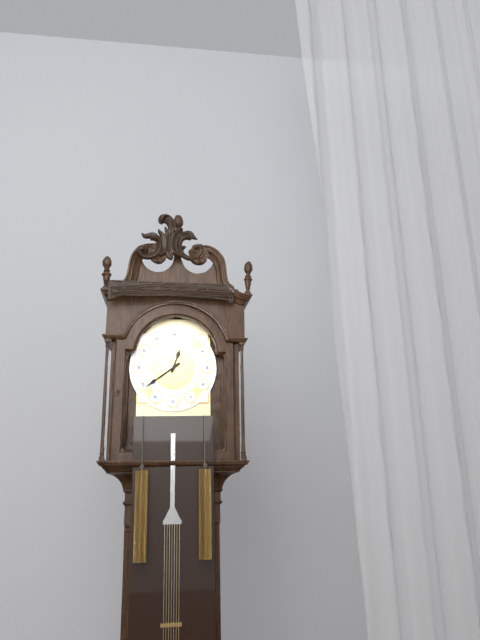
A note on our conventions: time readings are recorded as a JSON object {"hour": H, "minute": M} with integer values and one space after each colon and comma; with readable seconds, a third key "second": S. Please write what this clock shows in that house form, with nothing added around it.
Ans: {"hour": 12, "minute": 39}
